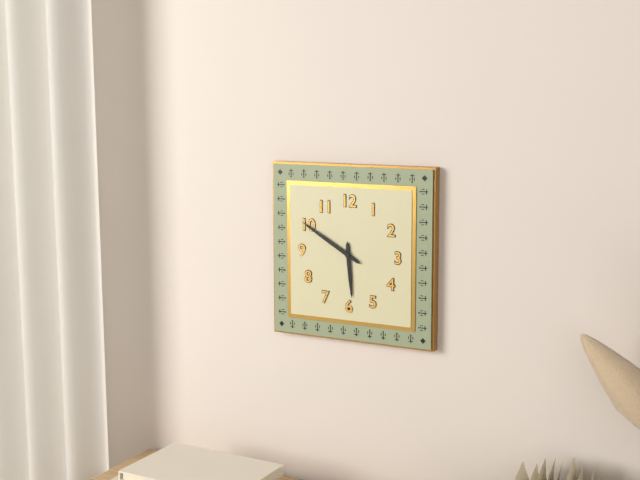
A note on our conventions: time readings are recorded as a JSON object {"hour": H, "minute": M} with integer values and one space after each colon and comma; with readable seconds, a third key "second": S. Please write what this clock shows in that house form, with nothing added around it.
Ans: {"hour": 5, "minute": 50}
